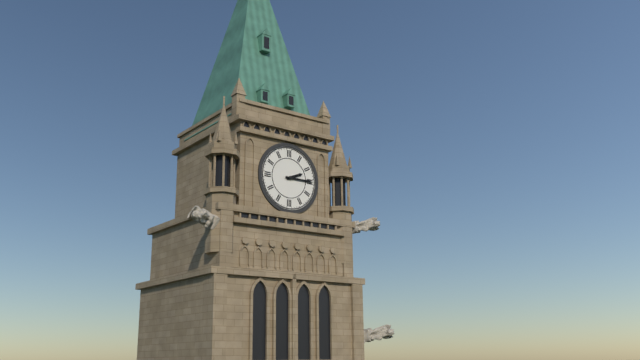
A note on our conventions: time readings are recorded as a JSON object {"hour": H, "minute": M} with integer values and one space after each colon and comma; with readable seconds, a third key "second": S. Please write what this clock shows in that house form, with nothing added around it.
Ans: {"hour": 2, "minute": 15}
